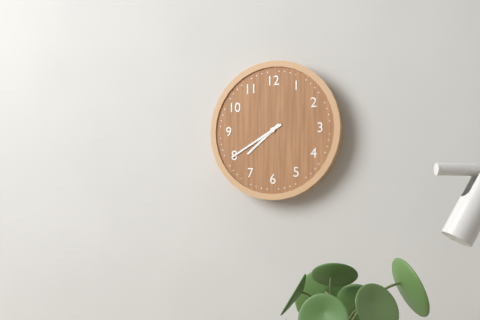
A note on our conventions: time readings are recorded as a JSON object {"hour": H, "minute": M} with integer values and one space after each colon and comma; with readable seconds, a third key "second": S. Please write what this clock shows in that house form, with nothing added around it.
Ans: {"hour": 7, "minute": 40}
